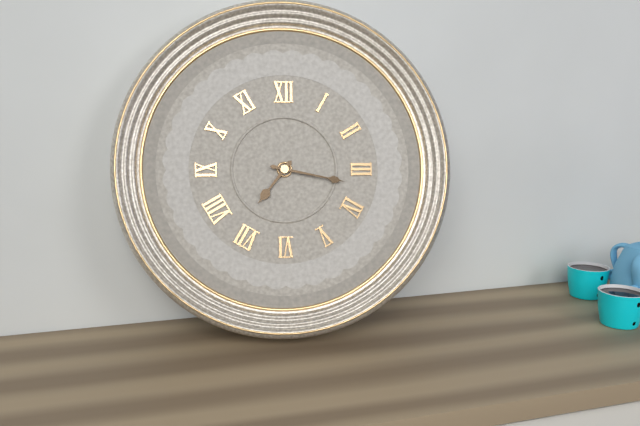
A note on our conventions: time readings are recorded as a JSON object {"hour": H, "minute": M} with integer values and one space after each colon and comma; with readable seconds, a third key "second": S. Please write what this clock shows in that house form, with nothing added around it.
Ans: {"hour": 7, "minute": 17}
